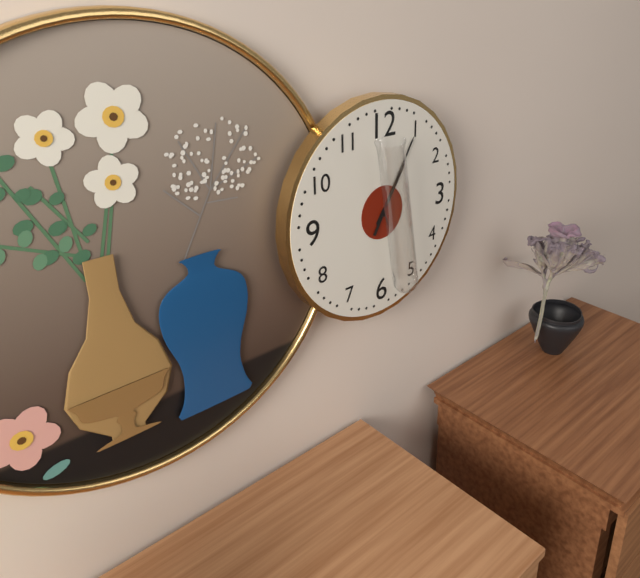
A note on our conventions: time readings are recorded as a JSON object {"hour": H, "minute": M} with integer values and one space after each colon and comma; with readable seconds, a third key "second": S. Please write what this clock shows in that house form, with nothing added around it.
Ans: {"hour": 1, "minute": 5}
